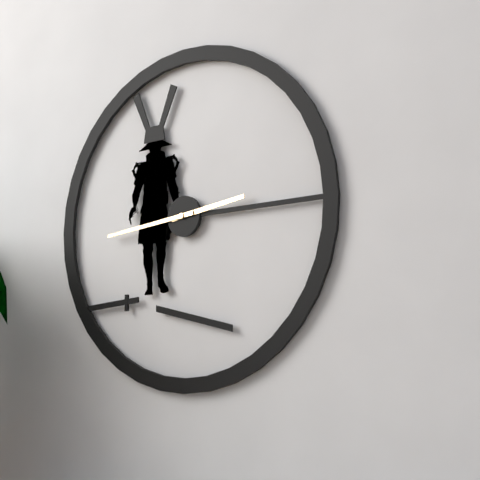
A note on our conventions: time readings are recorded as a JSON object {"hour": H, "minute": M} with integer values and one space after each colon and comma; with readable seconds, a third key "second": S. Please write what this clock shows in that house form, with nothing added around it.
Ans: {"hour": 2, "minute": 44}
